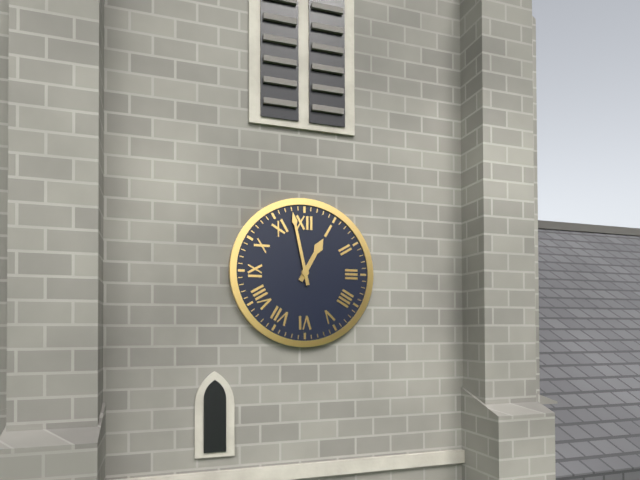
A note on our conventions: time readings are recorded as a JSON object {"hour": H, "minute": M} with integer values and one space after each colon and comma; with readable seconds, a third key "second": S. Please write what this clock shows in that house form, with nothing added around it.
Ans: {"hour": 12, "minute": 58}
